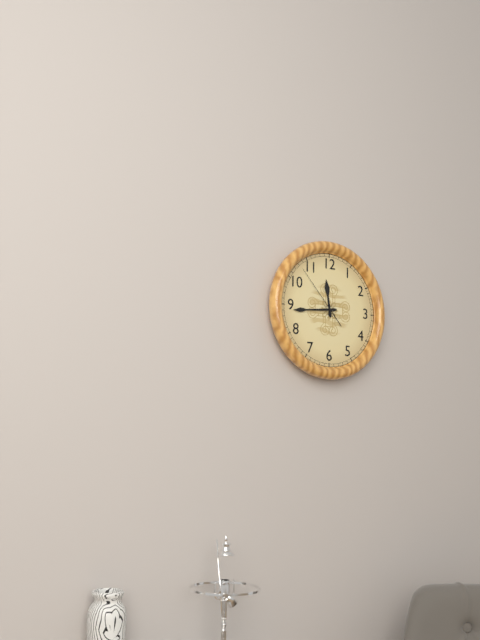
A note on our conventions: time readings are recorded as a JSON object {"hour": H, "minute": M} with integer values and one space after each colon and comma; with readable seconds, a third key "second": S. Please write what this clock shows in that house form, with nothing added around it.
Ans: {"hour": 11, "minute": 44, "second": 53}
